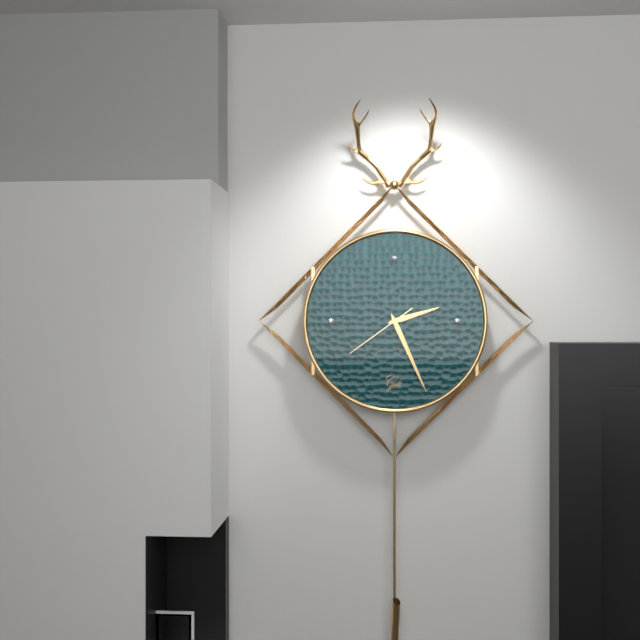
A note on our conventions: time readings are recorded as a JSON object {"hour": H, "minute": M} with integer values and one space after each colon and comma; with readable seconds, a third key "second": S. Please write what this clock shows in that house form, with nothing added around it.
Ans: {"hour": 2, "minute": 26, "second": 39}
